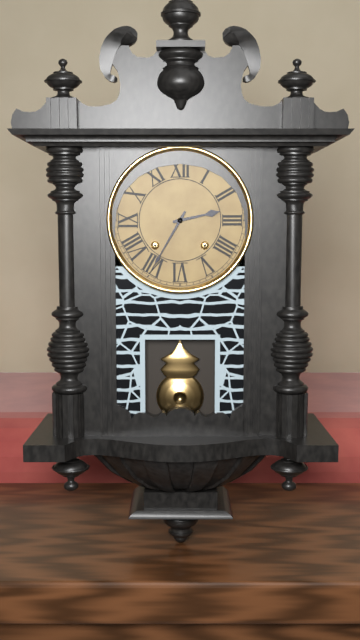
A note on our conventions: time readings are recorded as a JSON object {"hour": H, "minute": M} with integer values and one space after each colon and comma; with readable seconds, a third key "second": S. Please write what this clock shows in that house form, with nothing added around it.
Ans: {"hour": 2, "minute": 35}
